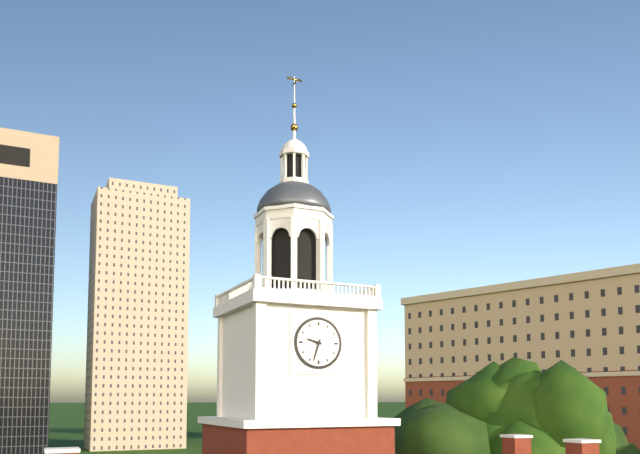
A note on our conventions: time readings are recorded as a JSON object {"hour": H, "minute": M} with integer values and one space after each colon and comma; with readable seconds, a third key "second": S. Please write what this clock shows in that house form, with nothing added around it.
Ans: {"hour": 9, "minute": 33}
